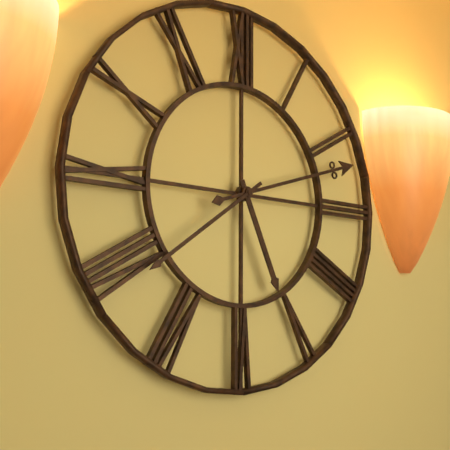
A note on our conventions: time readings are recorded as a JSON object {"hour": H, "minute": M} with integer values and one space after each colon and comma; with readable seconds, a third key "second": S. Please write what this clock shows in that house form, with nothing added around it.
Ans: {"hour": 5, "minute": 12, "second": 39}
